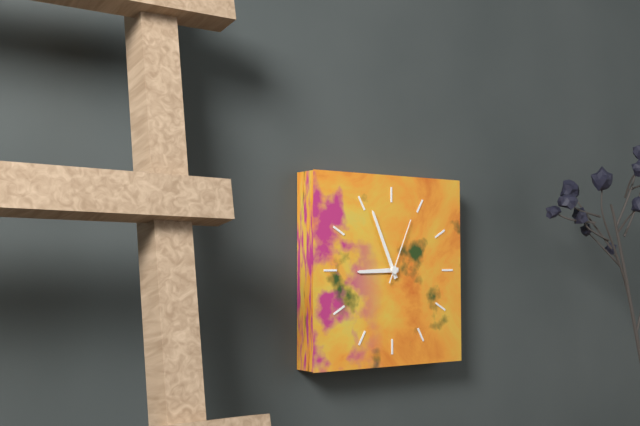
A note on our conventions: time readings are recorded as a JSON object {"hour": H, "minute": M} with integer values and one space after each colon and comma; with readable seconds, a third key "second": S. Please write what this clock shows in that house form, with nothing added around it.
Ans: {"hour": 8, "minute": 56, "second": 4}
